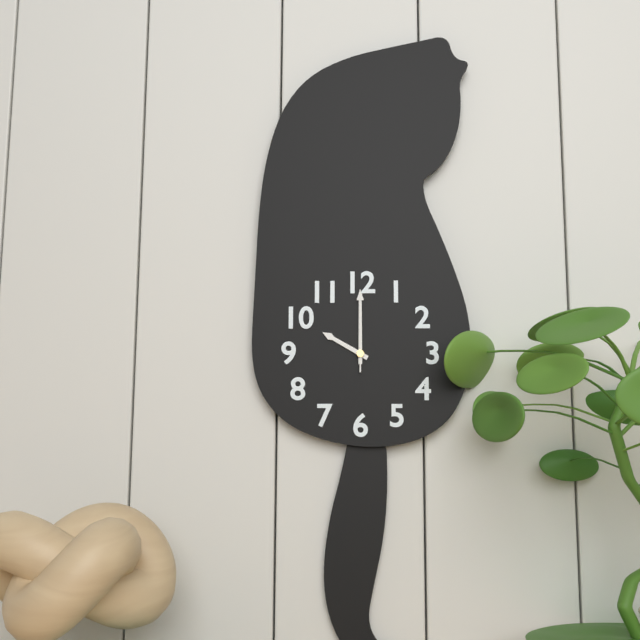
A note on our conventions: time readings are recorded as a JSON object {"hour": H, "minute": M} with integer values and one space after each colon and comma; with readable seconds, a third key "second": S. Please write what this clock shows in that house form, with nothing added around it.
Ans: {"hour": 10, "minute": 0, "second": 0}
